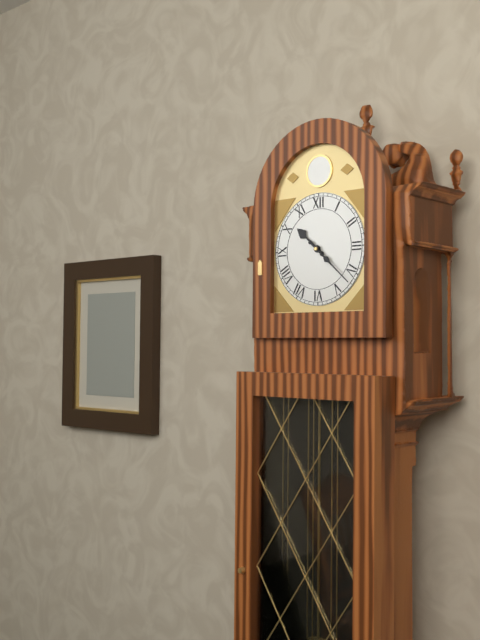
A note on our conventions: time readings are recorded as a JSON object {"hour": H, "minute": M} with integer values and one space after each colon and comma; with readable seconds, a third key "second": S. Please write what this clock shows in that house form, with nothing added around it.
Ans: {"hour": 10, "minute": 22}
